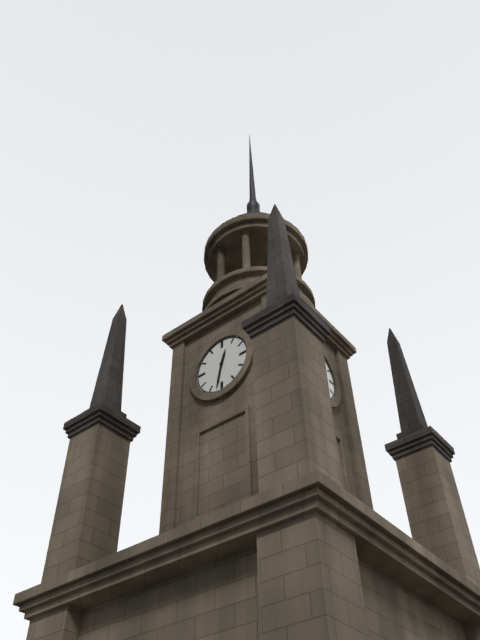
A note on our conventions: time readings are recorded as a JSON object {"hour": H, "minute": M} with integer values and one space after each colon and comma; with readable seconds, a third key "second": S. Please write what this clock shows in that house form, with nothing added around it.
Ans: {"hour": 12, "minute": 32}
